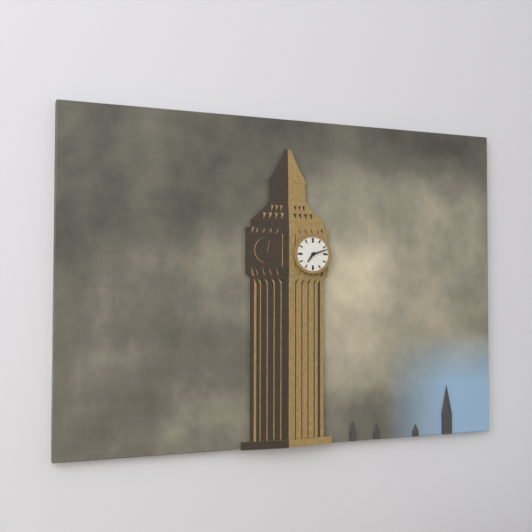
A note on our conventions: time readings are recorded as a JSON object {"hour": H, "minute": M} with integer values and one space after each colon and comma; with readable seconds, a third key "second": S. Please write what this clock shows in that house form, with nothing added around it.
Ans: {"hour": 7, "minute": 12}
